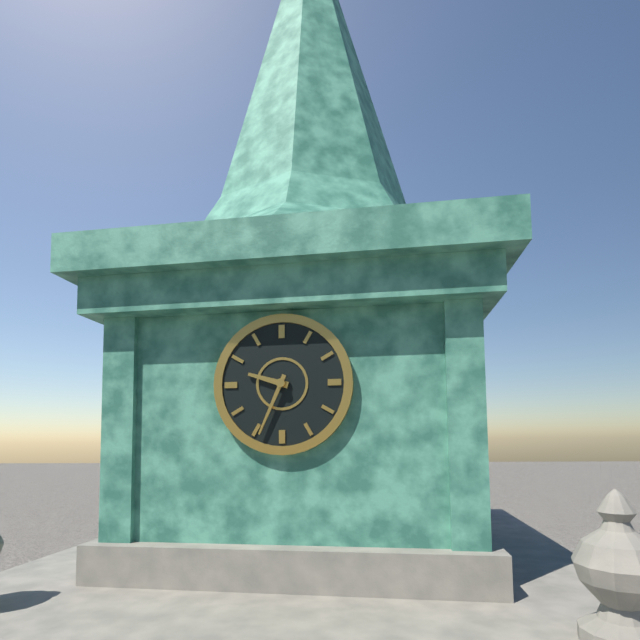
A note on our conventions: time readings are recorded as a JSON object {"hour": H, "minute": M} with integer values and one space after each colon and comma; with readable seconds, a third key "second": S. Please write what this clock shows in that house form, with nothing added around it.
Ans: {"hour": 9, "minute": 34}
